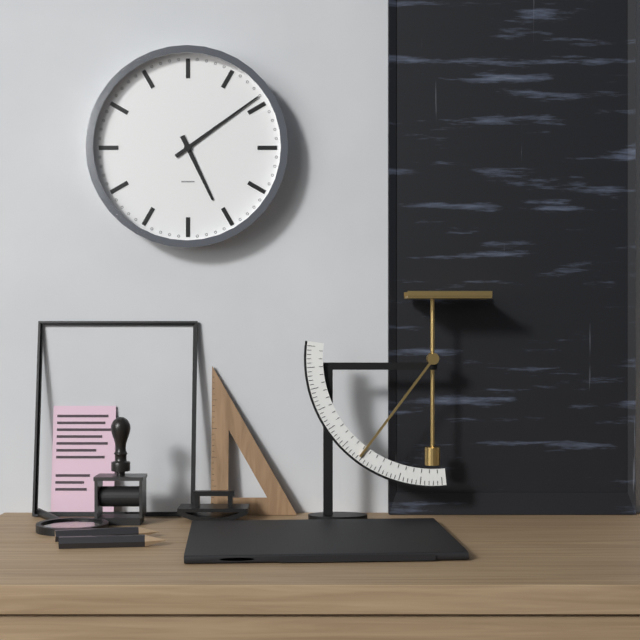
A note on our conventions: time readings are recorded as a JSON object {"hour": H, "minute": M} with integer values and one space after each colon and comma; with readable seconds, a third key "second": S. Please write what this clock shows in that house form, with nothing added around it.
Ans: {"hour": 5, "minute": 9}
